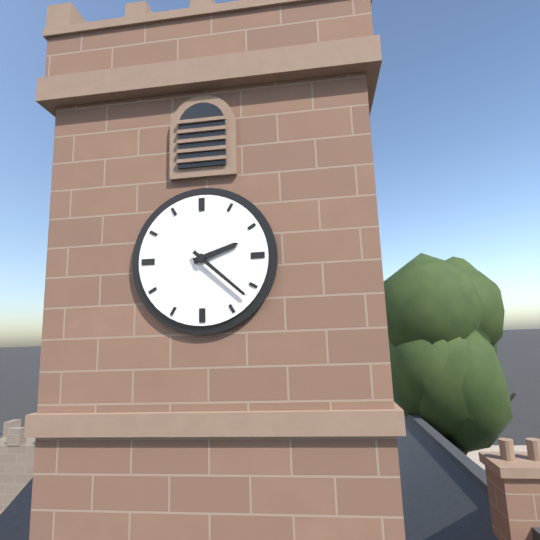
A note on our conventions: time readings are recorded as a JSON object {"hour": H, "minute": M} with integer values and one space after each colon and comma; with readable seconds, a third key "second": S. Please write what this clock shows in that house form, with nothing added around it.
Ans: {"hour": 2, "minute": 22}
